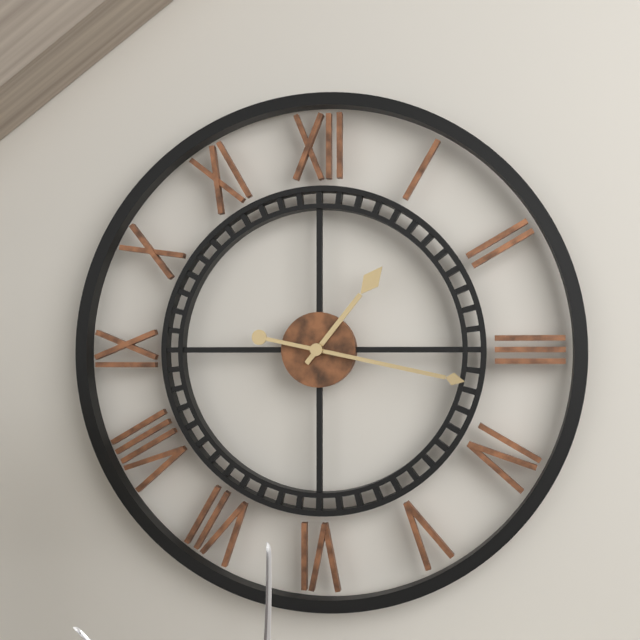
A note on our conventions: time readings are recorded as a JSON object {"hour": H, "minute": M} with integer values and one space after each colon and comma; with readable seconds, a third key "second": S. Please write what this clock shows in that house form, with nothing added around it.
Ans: {"hour": 1, "minute": 17}
